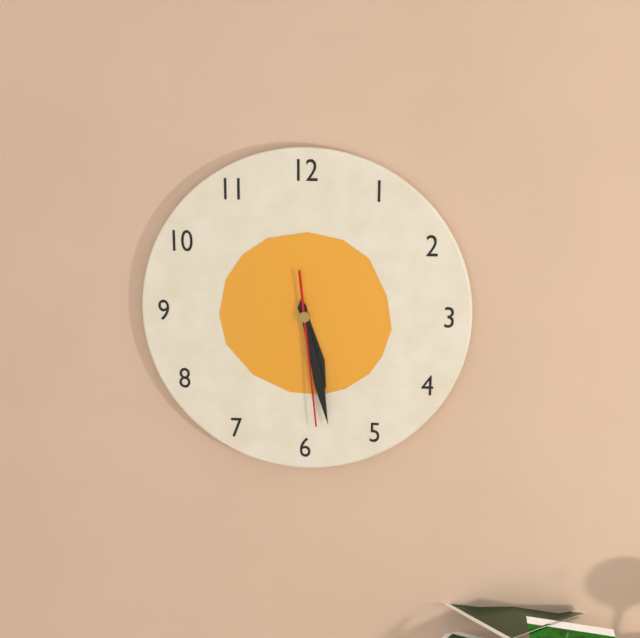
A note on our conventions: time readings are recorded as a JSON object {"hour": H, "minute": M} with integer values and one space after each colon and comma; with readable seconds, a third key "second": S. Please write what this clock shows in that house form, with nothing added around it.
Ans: {"hour": 5, "minute": 28, "second": 29}
